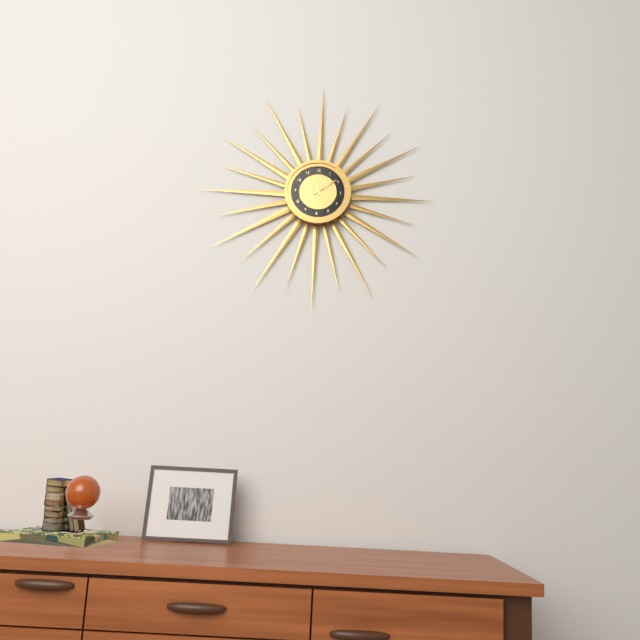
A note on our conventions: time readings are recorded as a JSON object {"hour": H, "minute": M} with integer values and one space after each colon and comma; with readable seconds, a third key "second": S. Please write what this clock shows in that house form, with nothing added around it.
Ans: {"hour": 11, "minute": 9}
